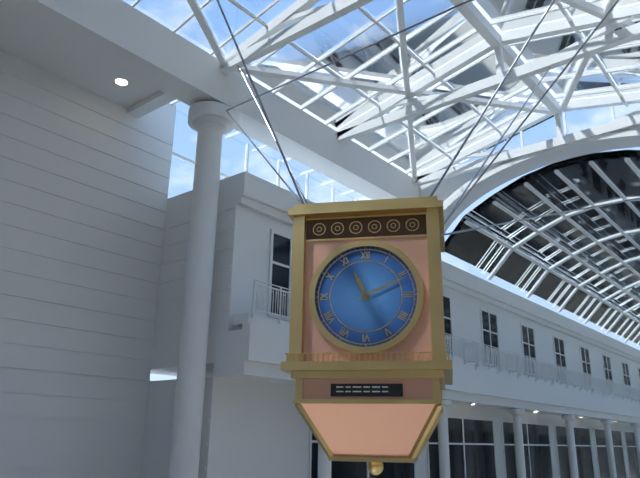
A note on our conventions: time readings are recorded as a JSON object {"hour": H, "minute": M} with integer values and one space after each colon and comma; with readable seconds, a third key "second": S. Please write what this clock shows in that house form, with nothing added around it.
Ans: {"hour": 11, "minute": 11}
